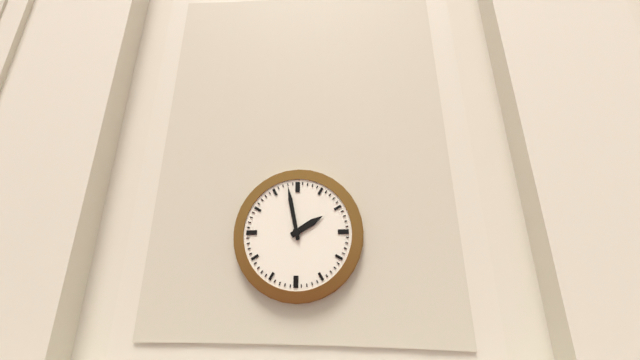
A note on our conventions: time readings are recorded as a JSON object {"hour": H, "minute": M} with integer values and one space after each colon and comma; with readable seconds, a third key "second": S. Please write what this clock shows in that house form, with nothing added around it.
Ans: {"hour": 1, "minute": 58}
